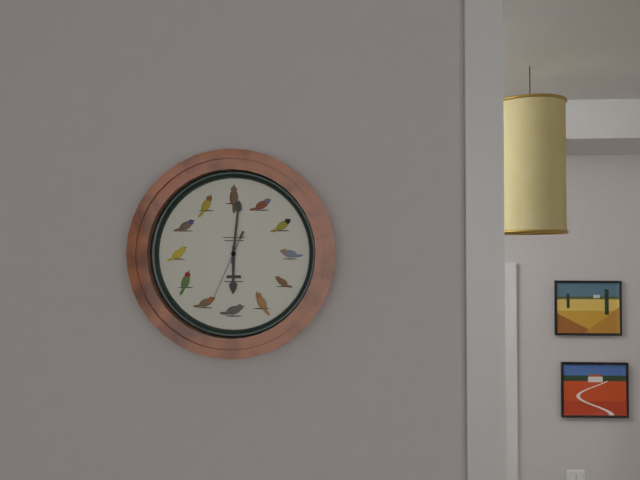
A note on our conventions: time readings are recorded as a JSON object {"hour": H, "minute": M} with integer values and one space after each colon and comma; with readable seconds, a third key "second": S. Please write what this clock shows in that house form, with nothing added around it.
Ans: {"hour": 6, "minute": 1, "second": 34}
